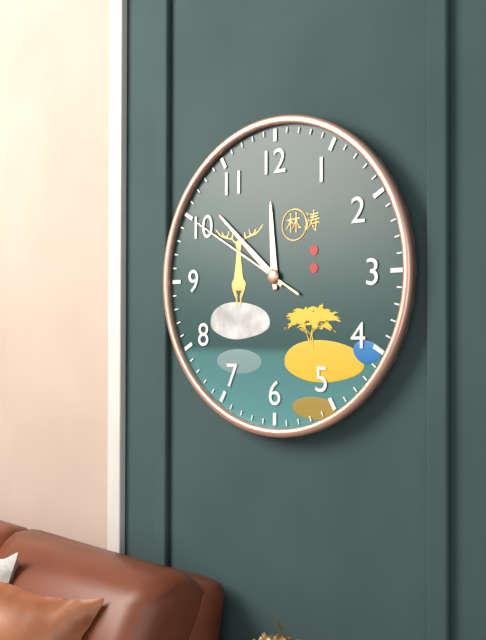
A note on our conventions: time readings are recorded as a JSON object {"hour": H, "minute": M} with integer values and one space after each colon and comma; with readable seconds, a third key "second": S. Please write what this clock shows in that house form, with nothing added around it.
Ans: {"hour": 11, "minute": 52, "second": 50}
